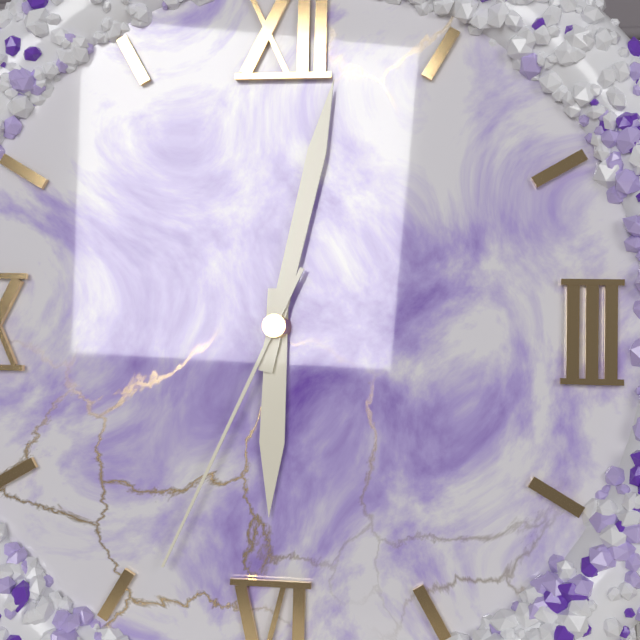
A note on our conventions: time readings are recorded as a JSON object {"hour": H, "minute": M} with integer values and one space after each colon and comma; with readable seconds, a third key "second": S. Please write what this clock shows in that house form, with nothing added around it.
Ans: {"hour": 6, "minute": 2, "second": 34}
